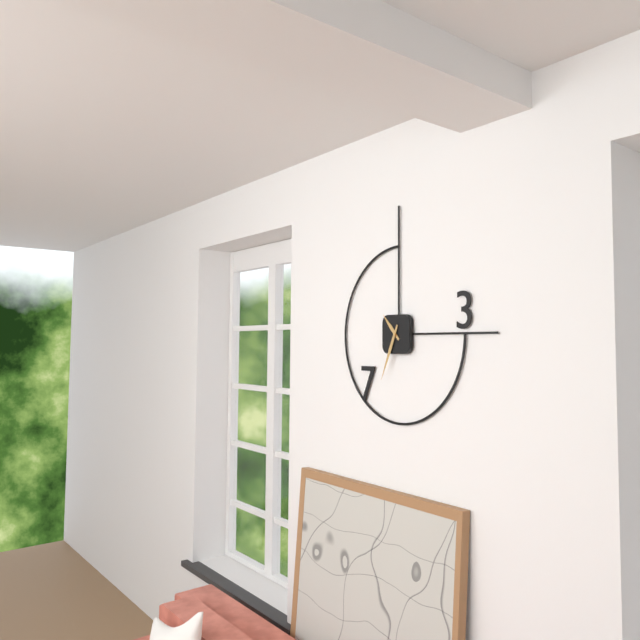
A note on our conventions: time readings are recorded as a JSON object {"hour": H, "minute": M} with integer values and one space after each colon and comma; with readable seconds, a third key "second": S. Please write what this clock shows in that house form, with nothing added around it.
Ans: {"hour": 10, "minute": 34}
